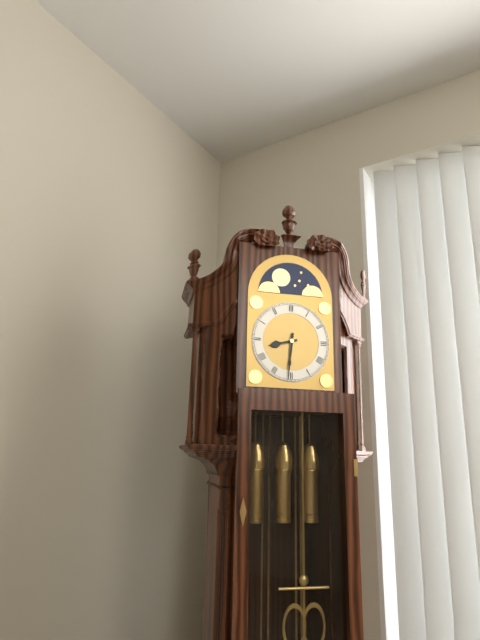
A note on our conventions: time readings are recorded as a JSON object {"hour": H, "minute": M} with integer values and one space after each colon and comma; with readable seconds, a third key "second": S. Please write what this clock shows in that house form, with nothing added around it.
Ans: {"hour": 8, "minute": 31}
